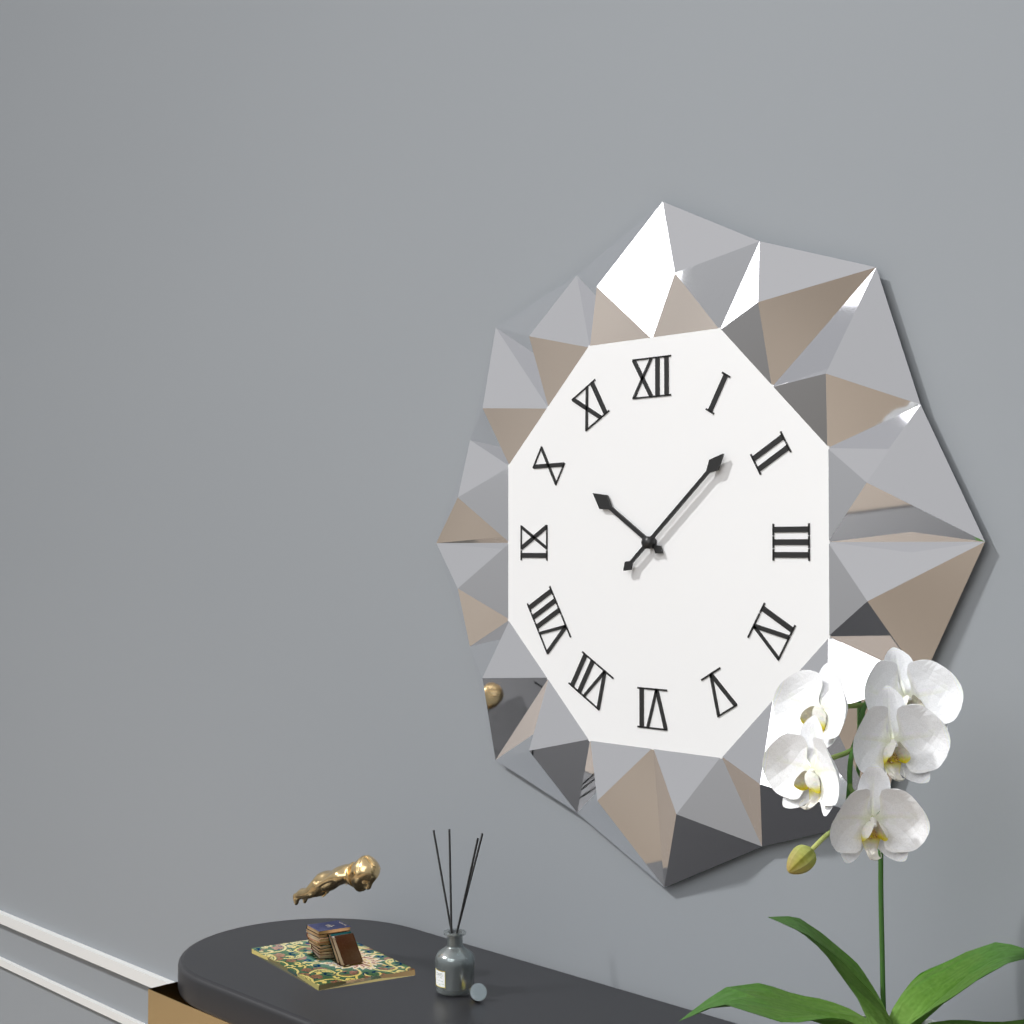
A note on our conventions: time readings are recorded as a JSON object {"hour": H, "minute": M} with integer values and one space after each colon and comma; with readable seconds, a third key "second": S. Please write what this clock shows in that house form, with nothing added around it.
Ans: {"hour": 10, "minute": 8}
